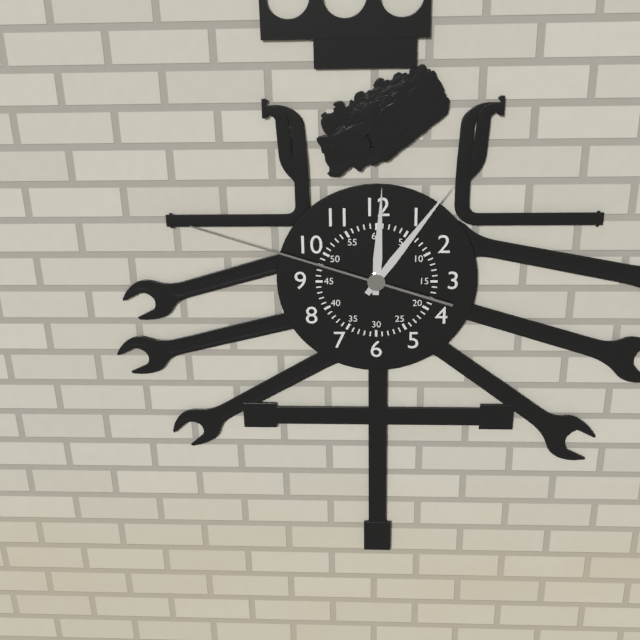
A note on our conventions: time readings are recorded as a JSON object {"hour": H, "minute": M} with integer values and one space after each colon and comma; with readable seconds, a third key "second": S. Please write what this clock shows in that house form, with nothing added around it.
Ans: {"hour": 12, "minute": 6, "second": 48}
